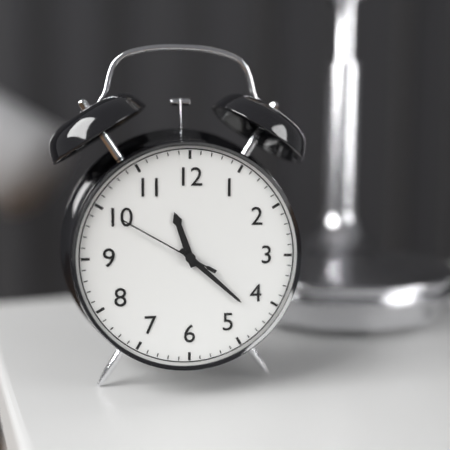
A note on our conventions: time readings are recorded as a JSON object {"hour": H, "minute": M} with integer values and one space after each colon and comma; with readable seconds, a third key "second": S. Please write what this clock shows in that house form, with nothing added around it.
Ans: {"hour": 11, "minute": 22, "second": 50}
